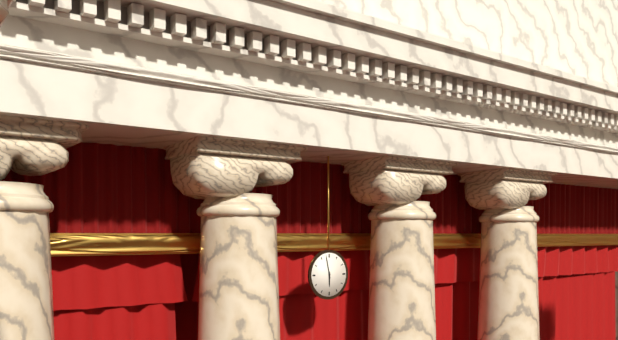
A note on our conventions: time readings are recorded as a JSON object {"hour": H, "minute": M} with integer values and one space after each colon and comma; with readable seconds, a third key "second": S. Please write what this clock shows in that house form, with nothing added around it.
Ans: {"hour": 5, "minute": 58}
